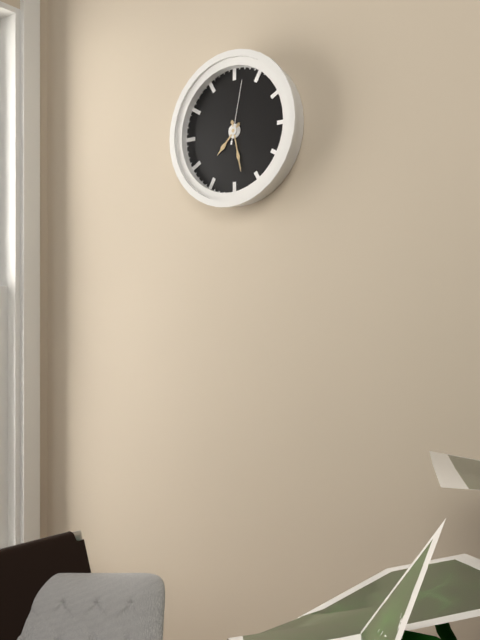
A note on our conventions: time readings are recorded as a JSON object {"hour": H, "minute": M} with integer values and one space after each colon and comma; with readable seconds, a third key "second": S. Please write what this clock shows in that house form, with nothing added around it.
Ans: {"hour": 7, "minute": 28, "second": 2}
